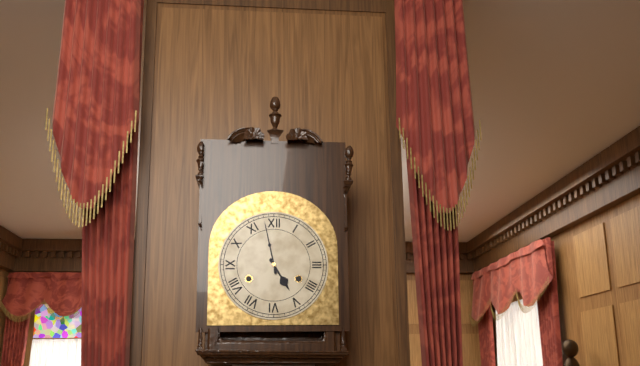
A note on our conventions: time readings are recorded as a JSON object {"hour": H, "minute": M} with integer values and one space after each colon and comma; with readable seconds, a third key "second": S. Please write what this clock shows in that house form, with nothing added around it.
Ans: {"hour": 4, "minute": 58}
